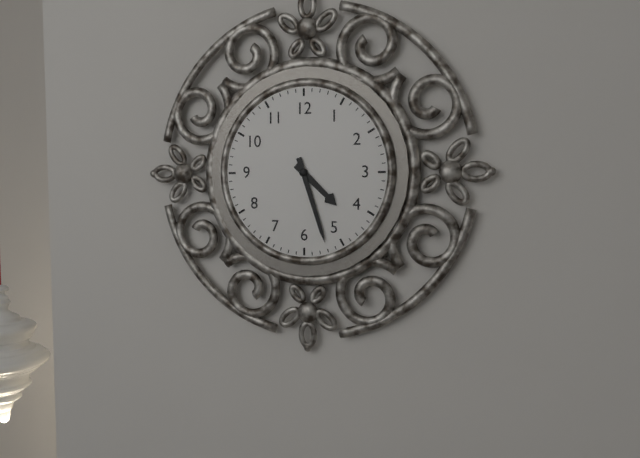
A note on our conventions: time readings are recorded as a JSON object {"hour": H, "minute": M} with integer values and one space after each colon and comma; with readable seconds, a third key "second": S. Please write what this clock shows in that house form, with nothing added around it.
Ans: {"hour": 4, "minute": 27}
